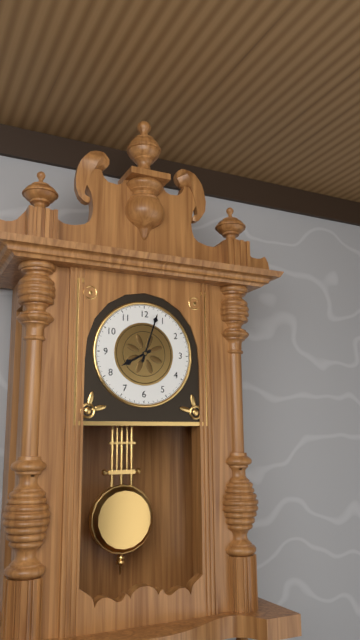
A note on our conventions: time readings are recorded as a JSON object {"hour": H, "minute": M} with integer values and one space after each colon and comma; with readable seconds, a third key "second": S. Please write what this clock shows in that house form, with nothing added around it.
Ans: {"hour": 8, "minute": 3}
